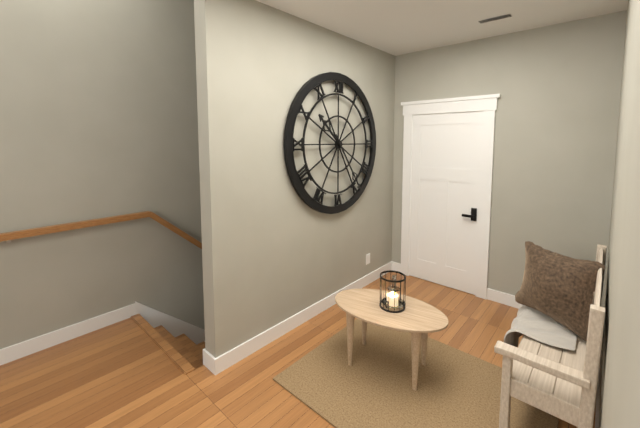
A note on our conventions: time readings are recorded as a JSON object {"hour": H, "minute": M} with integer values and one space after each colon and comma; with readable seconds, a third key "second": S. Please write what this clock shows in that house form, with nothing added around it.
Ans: {"hour": 10, "minute": 24}
